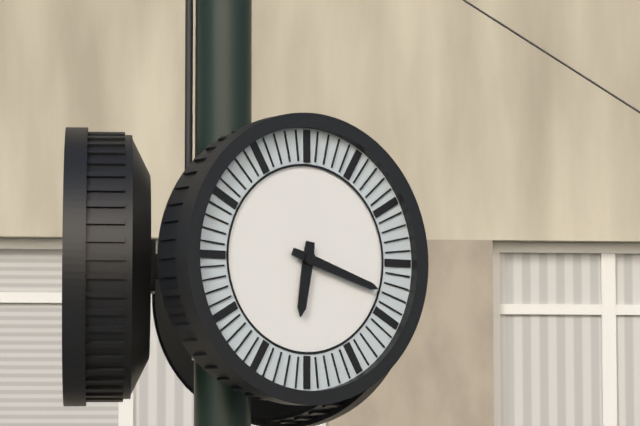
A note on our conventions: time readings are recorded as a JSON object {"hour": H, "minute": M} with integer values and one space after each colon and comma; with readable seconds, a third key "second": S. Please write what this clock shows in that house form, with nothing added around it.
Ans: {"hour": 6, "minute": 18}
